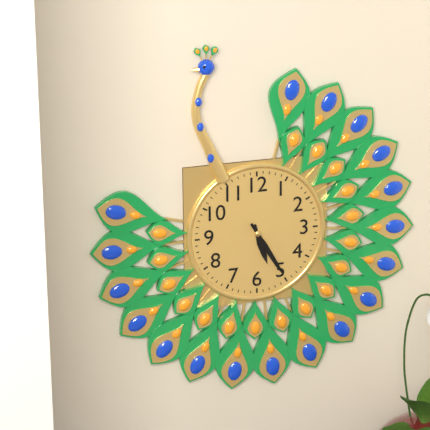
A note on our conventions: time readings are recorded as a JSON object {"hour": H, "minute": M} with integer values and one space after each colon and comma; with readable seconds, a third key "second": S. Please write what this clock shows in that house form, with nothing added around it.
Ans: {"hour": 5, "minute": 25}
